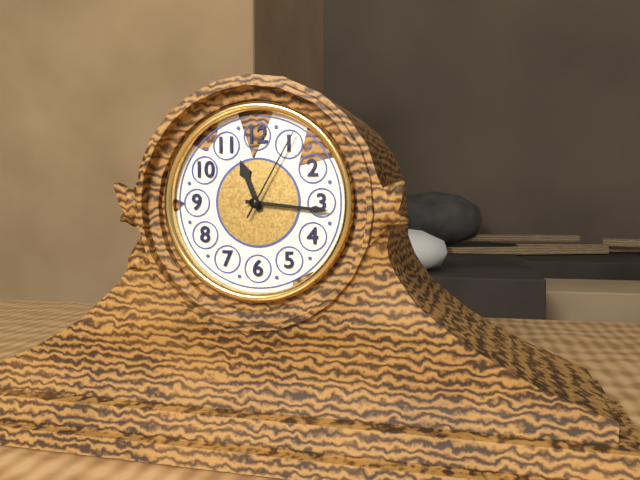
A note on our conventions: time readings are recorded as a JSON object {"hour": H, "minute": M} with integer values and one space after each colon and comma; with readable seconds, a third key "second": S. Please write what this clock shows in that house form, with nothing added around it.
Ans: {"hour": 11, "minute": 16, "second": 5}
